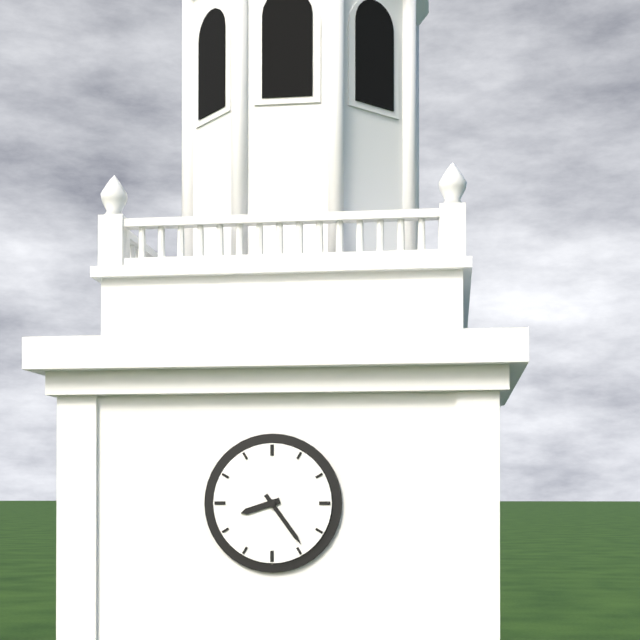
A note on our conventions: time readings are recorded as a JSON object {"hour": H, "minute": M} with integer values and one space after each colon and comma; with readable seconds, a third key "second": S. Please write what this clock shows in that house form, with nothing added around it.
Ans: {"hour": 8, "minute": 24}
